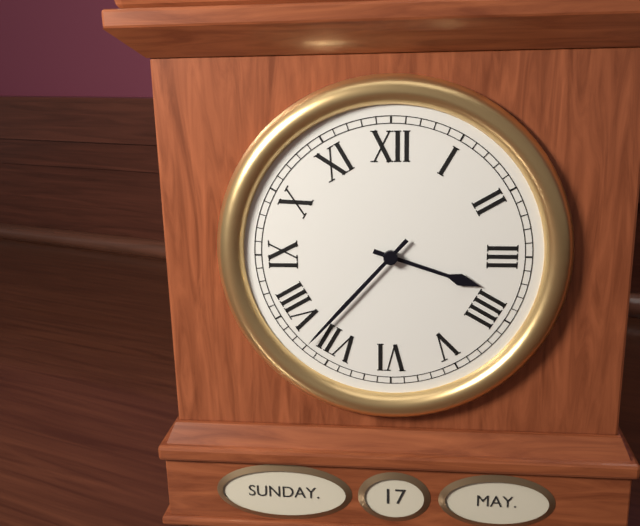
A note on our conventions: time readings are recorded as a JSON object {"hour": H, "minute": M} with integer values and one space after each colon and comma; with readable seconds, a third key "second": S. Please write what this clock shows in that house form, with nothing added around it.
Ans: {"hour": 3, "minute": 37}
